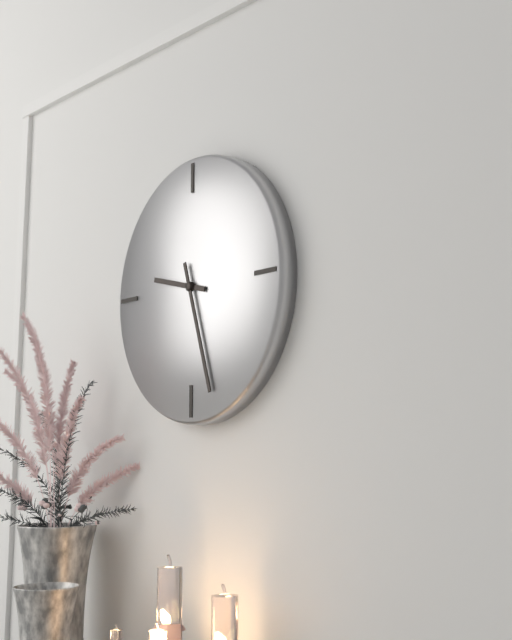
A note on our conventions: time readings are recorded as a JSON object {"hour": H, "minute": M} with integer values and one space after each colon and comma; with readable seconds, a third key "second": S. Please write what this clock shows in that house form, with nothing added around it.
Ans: {"hour": 9, "minute": 27}
